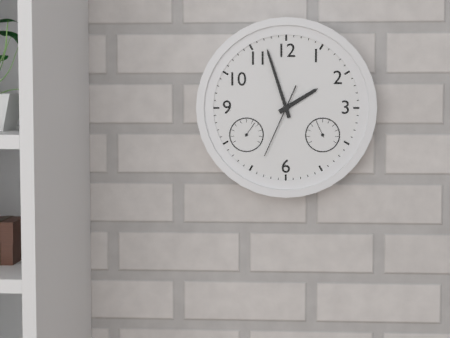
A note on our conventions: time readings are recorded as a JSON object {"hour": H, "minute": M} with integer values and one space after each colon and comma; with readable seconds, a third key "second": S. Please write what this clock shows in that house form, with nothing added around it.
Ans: {"hour": 1, "minute": 57, "second": 34}
